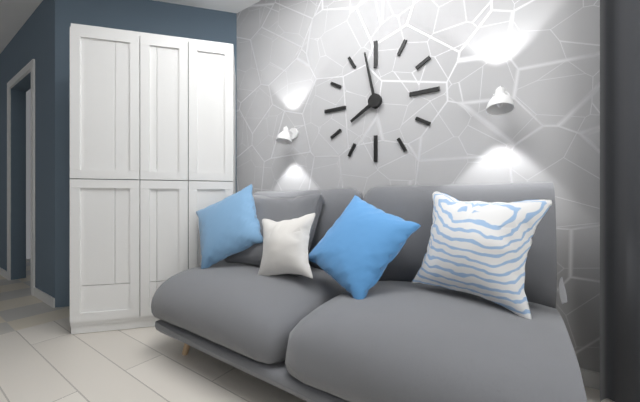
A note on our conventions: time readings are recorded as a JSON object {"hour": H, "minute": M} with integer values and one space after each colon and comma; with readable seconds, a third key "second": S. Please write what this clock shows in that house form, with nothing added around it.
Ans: {"hour": 7, "minute": 58}
